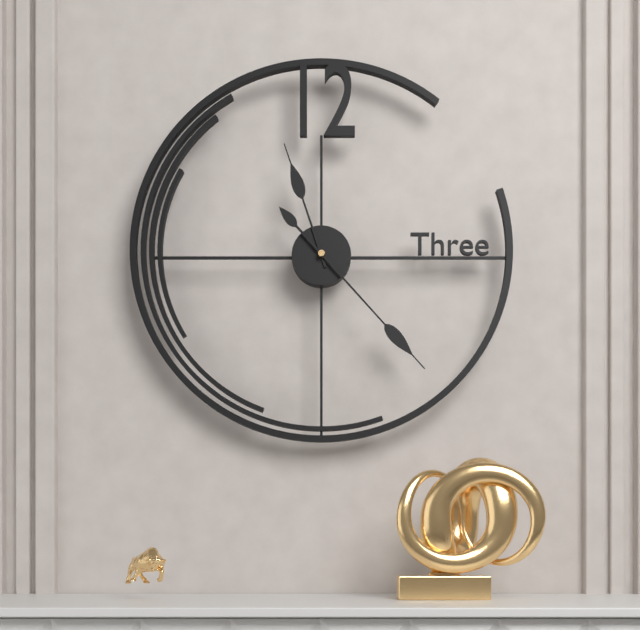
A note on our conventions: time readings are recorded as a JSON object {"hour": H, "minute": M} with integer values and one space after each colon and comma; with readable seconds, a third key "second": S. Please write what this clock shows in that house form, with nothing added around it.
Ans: {"hour": 11, "minute": 23}
